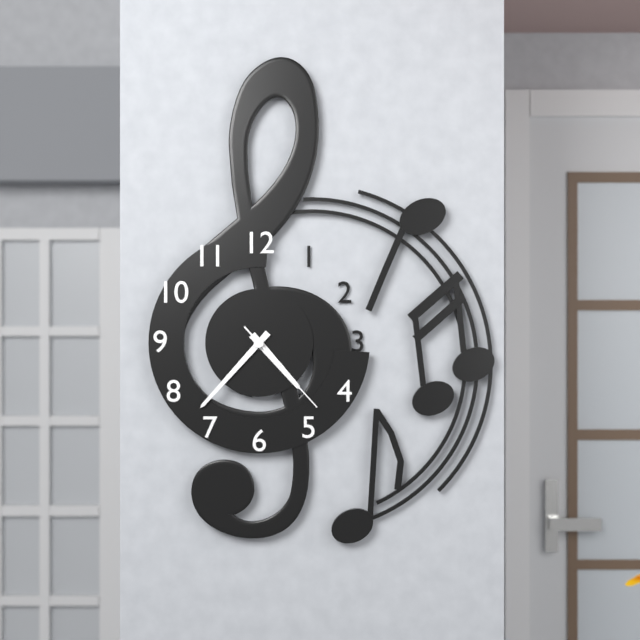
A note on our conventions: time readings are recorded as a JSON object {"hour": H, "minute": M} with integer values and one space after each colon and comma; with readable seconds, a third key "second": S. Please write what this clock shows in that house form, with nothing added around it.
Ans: {"hour": 4, "minute": 37, "second": 23}
